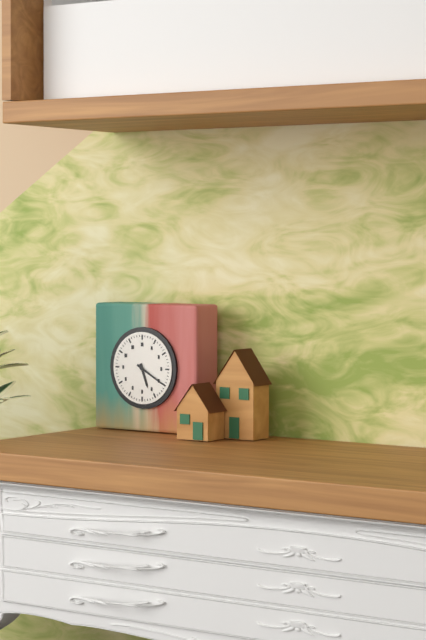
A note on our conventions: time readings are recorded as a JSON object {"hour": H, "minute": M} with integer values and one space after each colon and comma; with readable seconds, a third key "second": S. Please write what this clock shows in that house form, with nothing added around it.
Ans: {"hour": 5, "minute": 20}
